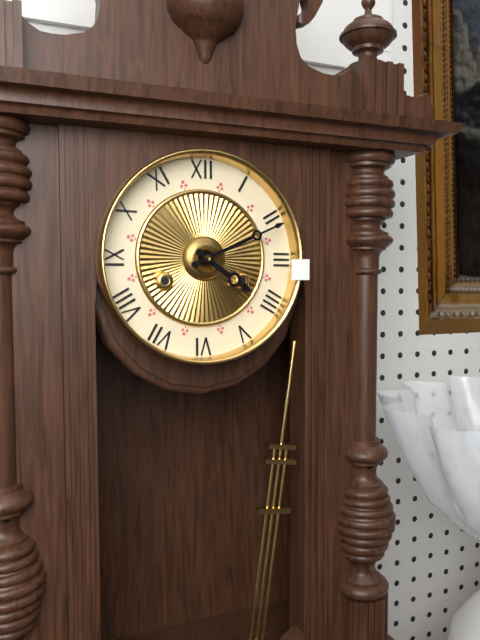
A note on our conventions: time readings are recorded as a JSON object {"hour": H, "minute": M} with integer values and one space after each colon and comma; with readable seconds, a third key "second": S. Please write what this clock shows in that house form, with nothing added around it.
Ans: {"hour": 4, "minute": 11}
